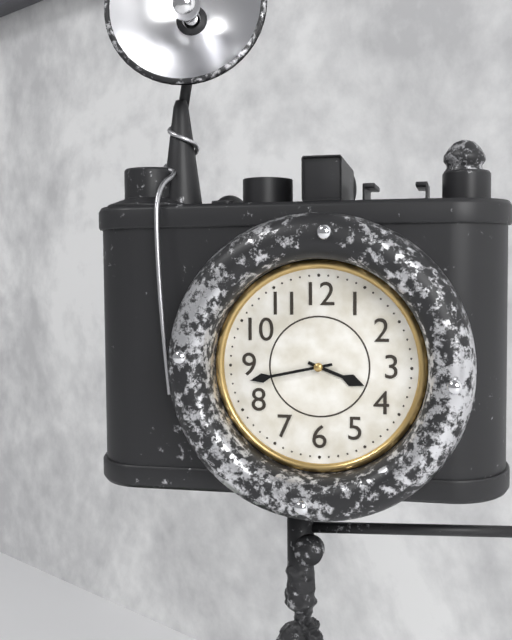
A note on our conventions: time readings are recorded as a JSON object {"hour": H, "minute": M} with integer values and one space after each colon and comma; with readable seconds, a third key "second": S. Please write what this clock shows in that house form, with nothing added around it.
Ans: {"hour": 3, "minute": 43}
